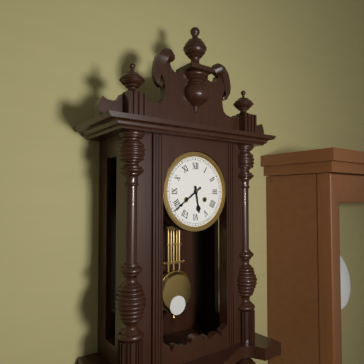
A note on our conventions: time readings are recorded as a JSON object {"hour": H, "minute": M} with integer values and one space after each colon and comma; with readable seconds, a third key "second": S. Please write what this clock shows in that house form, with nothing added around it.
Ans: {"hour": 5, "minute": 39}
